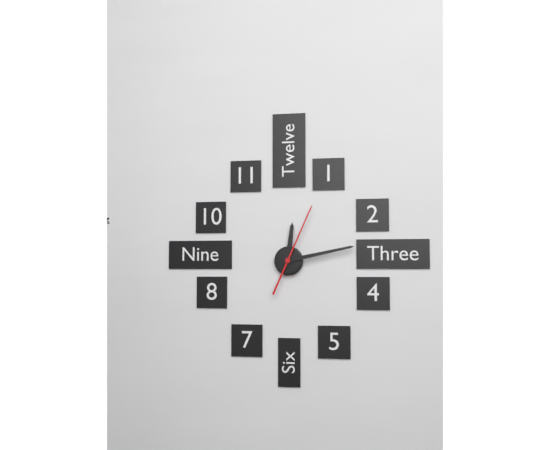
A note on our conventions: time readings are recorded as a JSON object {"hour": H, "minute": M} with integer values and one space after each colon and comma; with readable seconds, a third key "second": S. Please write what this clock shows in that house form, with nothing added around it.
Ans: {"hour": 12, "minute": 13, "second": 4}
